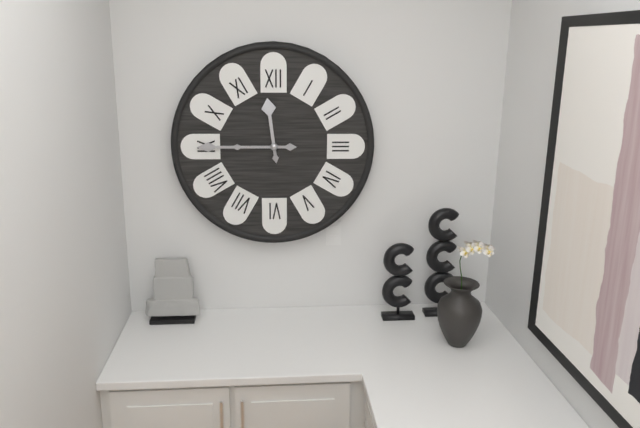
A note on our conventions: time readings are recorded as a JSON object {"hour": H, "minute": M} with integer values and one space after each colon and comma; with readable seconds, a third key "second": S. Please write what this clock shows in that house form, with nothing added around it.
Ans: {"hour": 11, "minute": 45}
